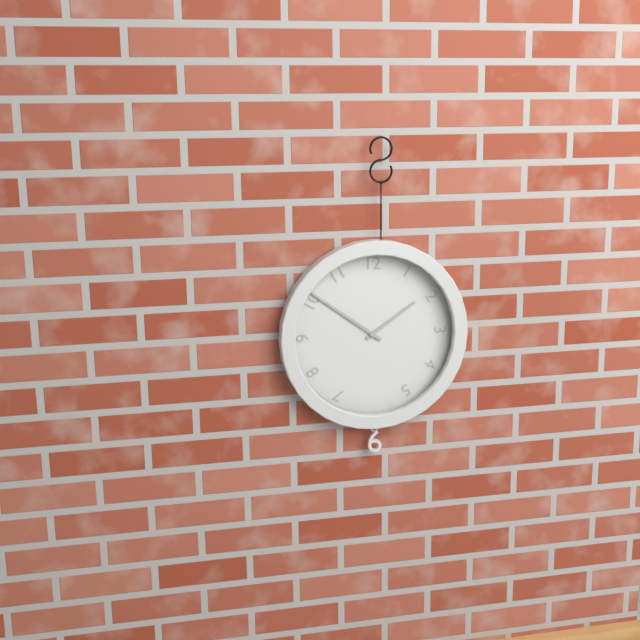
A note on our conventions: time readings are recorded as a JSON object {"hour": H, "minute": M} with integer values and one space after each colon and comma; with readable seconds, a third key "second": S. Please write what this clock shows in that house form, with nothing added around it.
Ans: {"hour": 1, "minute": 51}
